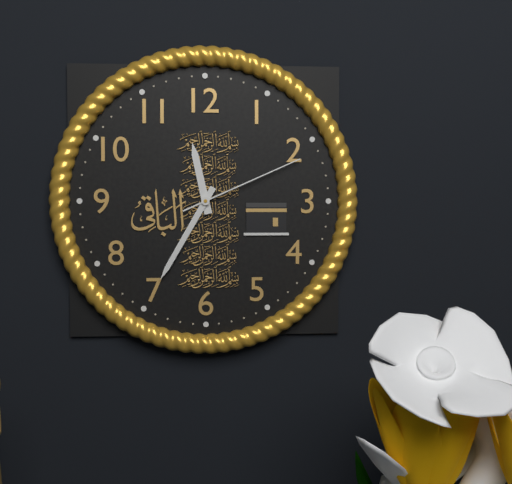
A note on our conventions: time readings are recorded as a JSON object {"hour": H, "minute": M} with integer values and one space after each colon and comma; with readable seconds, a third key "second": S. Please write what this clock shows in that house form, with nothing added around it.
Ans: {"hour": 11, "minute": 35, "second": 11}
